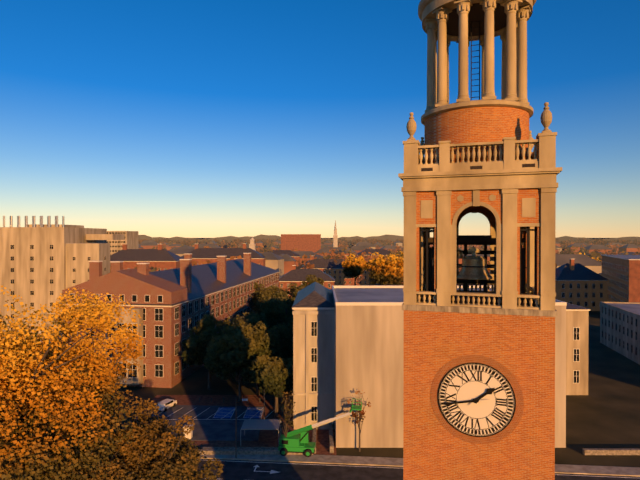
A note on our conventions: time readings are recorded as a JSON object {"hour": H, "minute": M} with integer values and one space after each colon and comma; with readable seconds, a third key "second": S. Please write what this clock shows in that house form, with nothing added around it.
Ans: {"hour": 1, "minute": 43}
